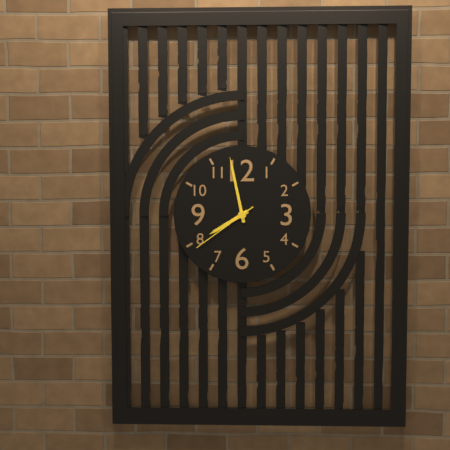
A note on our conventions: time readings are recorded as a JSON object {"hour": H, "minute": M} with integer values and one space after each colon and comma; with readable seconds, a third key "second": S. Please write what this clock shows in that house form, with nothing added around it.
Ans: {"hour": 7, "minute": 58, "second": 39}
